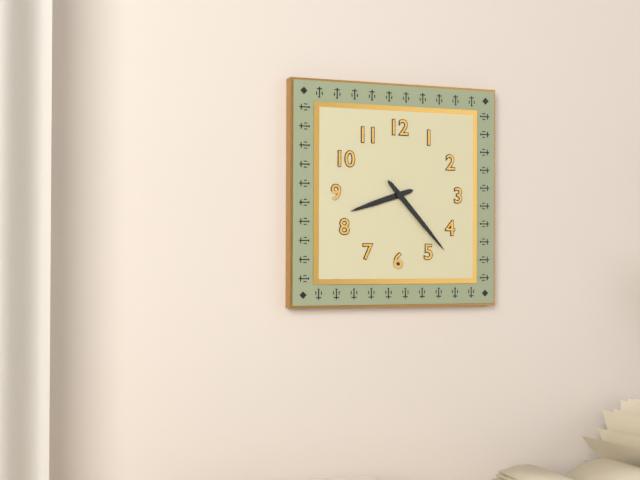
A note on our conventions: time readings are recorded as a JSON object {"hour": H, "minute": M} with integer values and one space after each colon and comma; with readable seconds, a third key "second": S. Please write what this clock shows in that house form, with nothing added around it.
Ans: {"hour": 8, "minute": 23}
